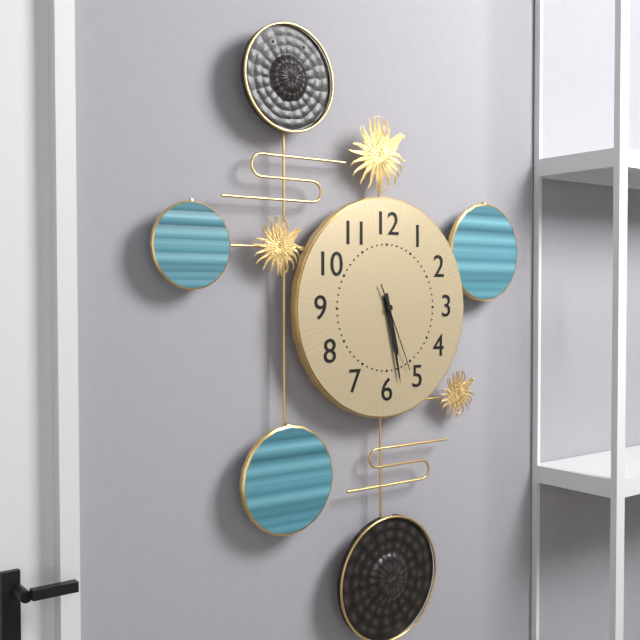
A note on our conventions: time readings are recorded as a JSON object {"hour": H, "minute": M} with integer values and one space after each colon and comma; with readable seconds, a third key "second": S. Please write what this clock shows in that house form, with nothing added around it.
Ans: {"hour": 5, "minute": 28, "second": 26}
